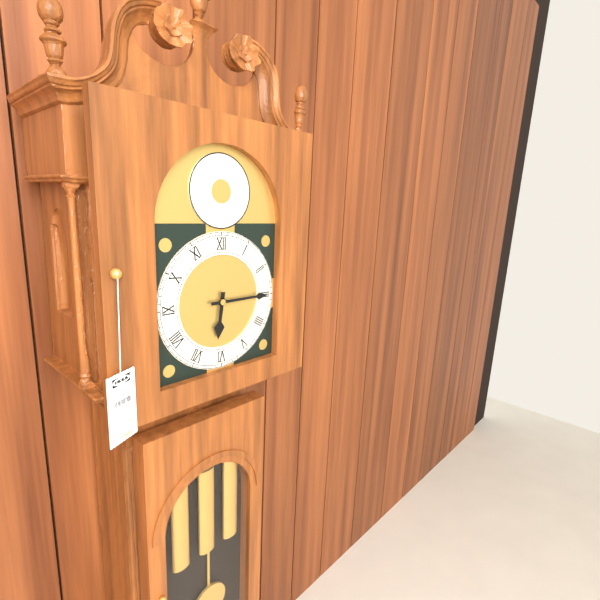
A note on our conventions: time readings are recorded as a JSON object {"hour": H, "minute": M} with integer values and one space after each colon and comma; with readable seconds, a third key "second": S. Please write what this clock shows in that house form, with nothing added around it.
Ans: {"hour": 6, "minute": 15}
